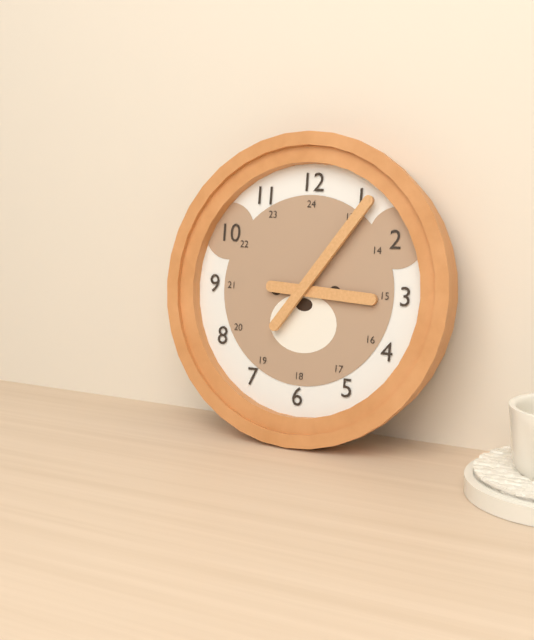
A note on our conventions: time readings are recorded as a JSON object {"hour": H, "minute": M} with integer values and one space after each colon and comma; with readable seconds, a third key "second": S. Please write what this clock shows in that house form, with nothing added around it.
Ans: {"hour": 3, "minute": 6}
